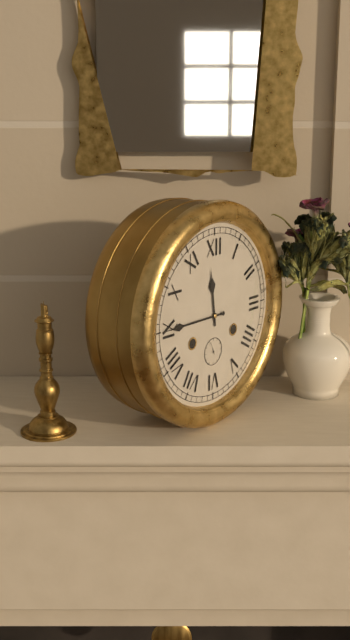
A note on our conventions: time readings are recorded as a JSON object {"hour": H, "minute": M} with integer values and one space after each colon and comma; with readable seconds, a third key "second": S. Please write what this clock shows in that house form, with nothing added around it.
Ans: {"hour": 11, "minute": 45}
